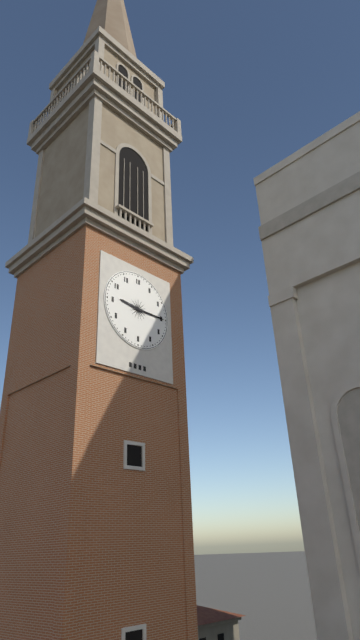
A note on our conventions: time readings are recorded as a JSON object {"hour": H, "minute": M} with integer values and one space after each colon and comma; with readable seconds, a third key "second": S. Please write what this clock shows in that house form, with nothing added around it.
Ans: {"hour": 9, "minute": 15}
